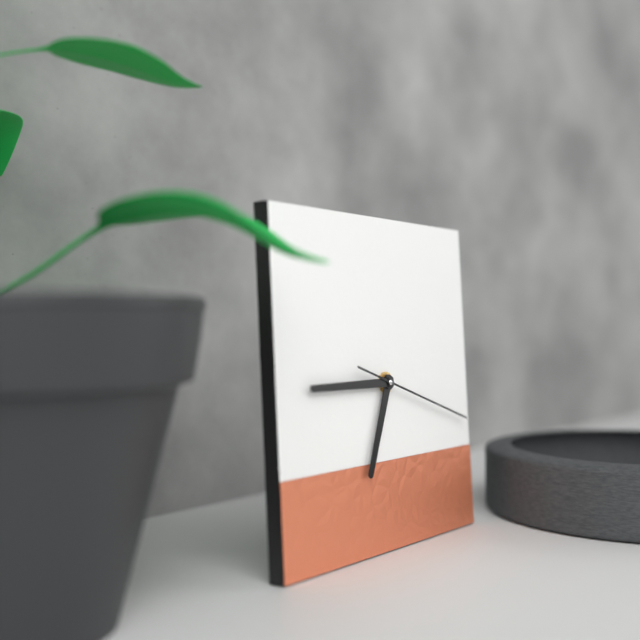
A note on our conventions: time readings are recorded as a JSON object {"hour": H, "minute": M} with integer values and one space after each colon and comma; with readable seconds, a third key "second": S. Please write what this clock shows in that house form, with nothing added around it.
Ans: {"hour": 6, "minute": 45, "second": 18}
